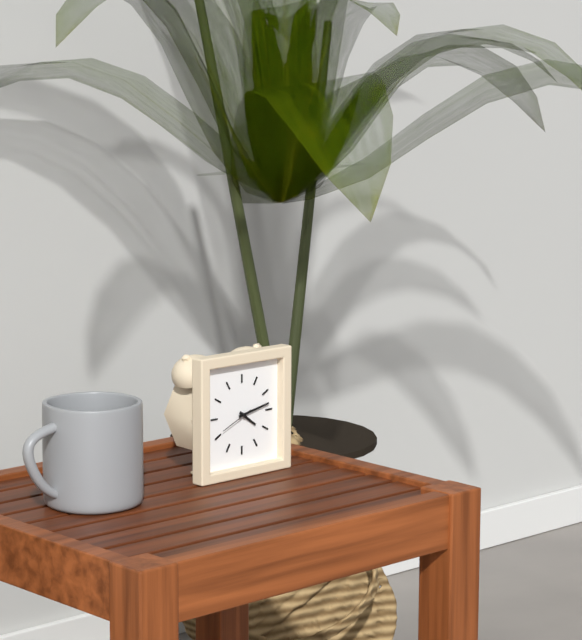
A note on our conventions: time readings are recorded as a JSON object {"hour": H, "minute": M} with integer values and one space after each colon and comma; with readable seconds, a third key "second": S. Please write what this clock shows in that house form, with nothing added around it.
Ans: {"hour": 4, "minute": 13}
